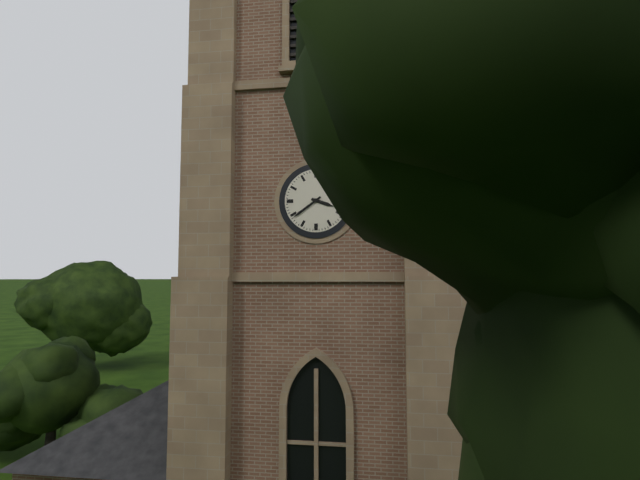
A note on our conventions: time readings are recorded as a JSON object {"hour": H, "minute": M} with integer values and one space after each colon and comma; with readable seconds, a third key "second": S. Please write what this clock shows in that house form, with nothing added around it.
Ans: {"hour": 3, "minute": 39}
